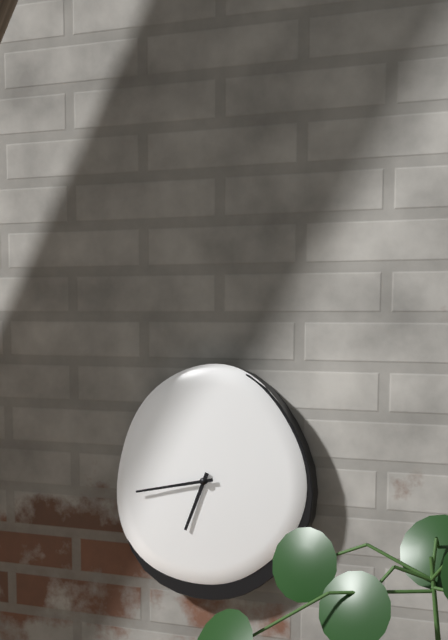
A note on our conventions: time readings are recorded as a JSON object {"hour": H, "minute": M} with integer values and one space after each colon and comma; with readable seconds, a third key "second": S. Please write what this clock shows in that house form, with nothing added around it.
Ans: {"hour": 6, "minute": 43}
